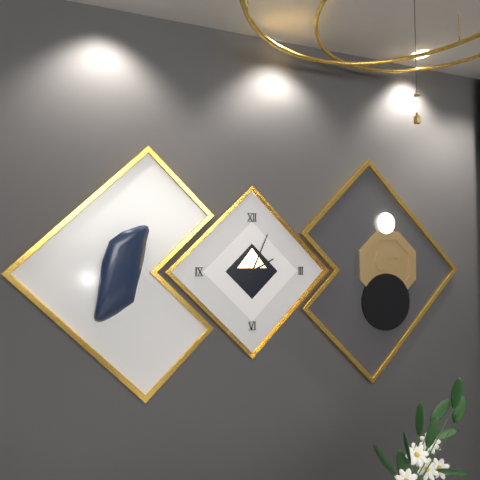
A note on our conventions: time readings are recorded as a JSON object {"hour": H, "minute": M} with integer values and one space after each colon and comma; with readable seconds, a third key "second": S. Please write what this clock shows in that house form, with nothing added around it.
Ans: {"hour": 2, "minute": 4}
